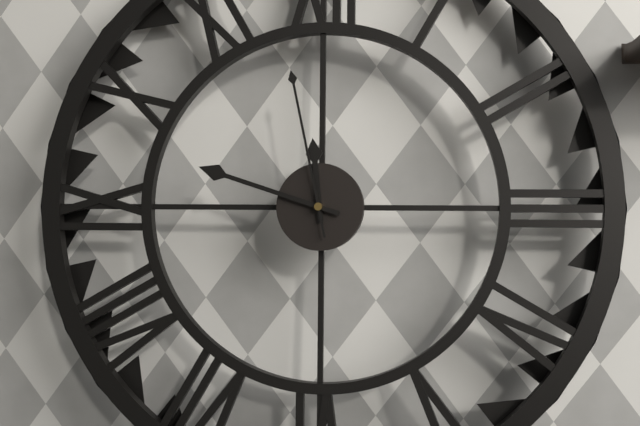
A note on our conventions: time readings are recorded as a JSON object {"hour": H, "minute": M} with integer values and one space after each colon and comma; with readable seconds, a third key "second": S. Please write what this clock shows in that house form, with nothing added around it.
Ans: {"hour": 11, "minute": 48, "second": 58}
